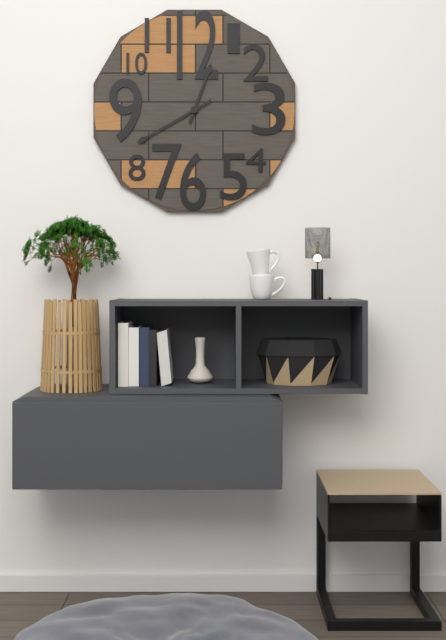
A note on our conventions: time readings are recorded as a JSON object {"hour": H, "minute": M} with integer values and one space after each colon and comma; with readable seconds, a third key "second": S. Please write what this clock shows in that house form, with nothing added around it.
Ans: {"hour": 12, "minute": 40}
